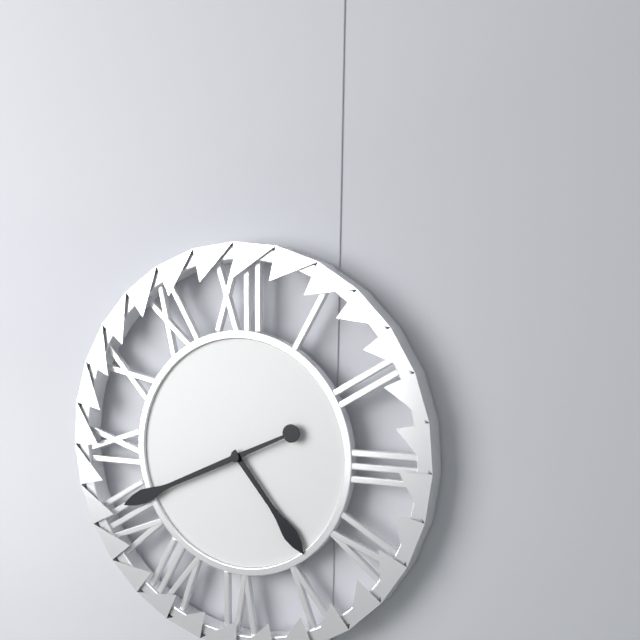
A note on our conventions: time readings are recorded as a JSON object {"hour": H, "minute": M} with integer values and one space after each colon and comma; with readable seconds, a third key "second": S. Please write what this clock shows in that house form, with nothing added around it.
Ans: {"hour": 4, "minute": 41}
